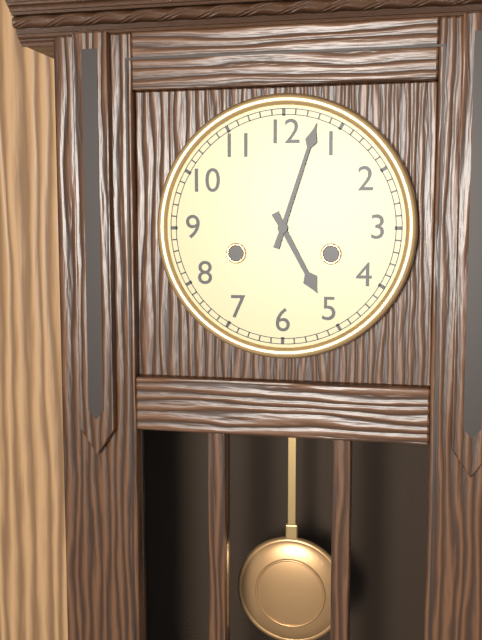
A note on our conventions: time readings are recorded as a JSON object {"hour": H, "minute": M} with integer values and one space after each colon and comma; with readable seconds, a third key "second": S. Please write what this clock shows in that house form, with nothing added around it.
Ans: {"hour": 5, "minute": 3}
